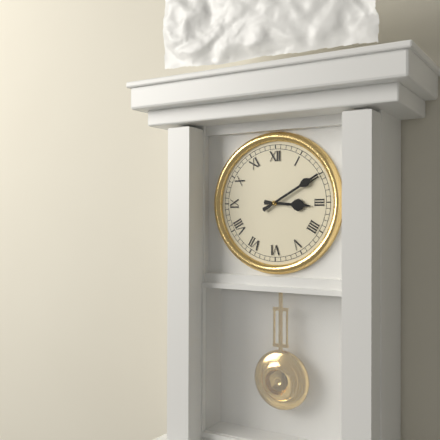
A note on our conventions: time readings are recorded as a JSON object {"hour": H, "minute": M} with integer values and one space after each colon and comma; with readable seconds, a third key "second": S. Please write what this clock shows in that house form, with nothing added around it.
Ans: {"hour": 3, "minute": 10}
